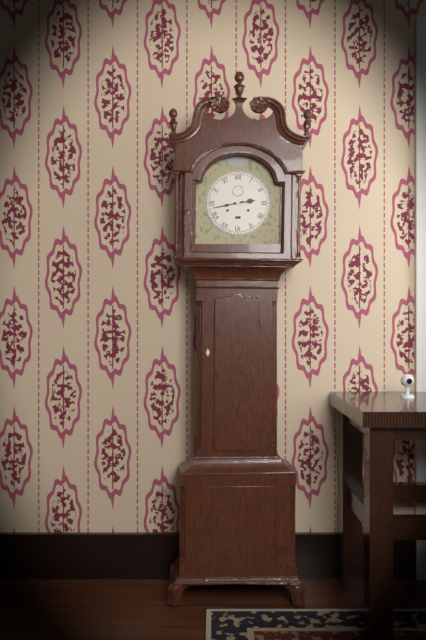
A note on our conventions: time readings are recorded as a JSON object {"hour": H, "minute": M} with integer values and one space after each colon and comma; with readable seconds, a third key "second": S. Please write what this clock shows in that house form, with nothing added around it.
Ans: {"hour": 2, "minute": 43}
